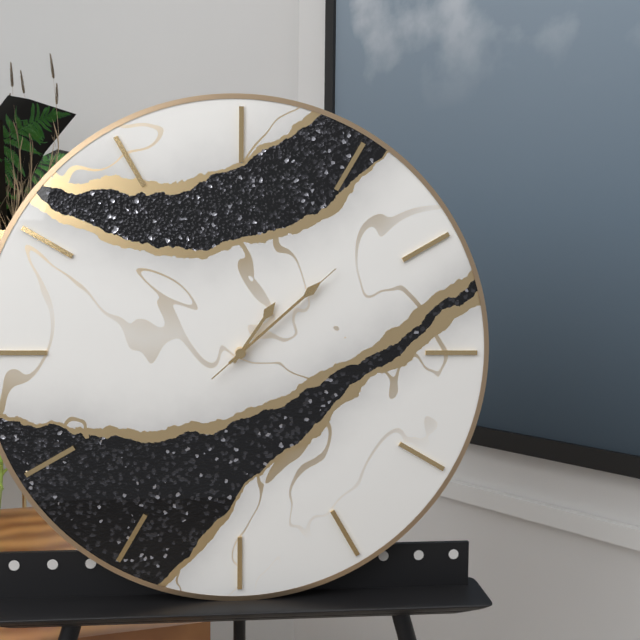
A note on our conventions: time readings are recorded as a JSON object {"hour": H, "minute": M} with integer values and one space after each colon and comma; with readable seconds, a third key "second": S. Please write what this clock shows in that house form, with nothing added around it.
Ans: {"hour": 1, "minute": 8, "second": 8}
